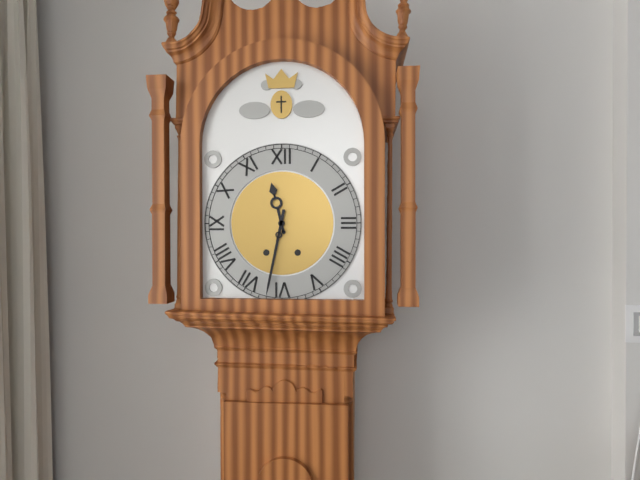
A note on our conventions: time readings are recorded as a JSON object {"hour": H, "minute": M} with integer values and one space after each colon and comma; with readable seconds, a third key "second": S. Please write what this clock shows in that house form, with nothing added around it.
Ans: {"hour": 11, "minute": 32}
